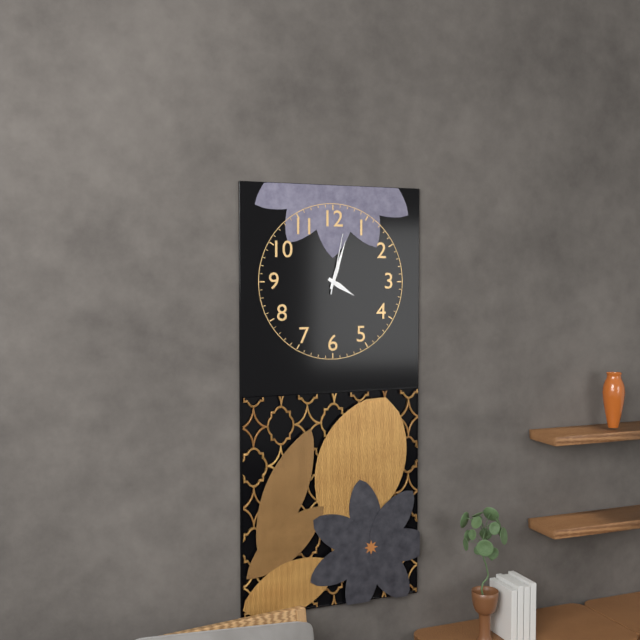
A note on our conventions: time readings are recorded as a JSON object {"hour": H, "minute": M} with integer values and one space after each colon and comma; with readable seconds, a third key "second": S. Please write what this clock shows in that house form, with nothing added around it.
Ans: {"hour": 4, "minute": 3, "second": 2}
